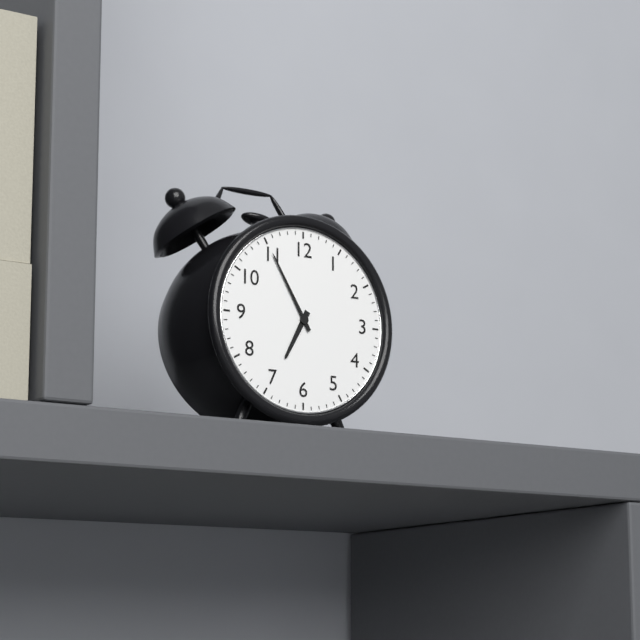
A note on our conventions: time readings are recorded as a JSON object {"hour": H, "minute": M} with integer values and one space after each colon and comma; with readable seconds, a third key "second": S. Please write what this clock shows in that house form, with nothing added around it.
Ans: {"hour": 6, "minute": 55}
